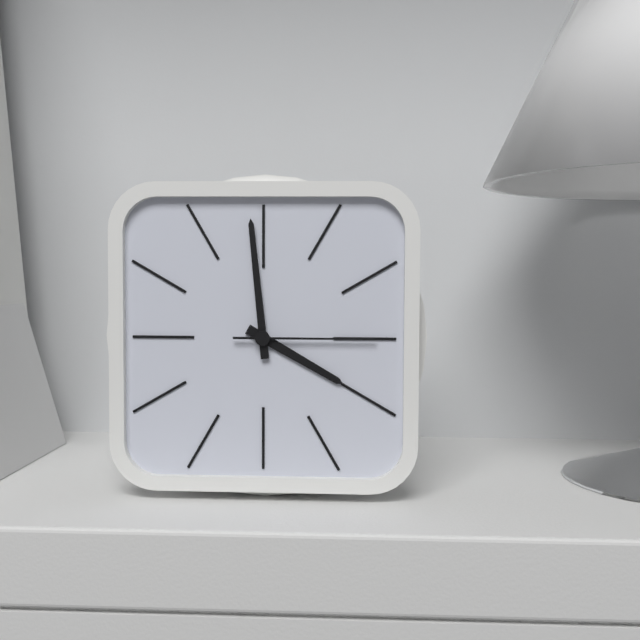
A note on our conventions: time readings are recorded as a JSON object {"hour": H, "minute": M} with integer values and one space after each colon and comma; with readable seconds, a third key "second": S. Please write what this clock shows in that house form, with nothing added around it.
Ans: {"hour": 3, "minute": 59, "second": 15}
